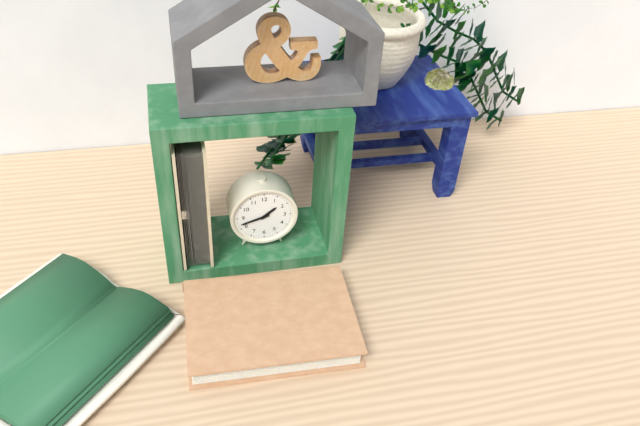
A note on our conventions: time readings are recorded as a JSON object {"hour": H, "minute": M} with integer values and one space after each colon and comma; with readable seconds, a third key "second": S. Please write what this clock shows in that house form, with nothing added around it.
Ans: {"hour": 1, "minute": 42}
